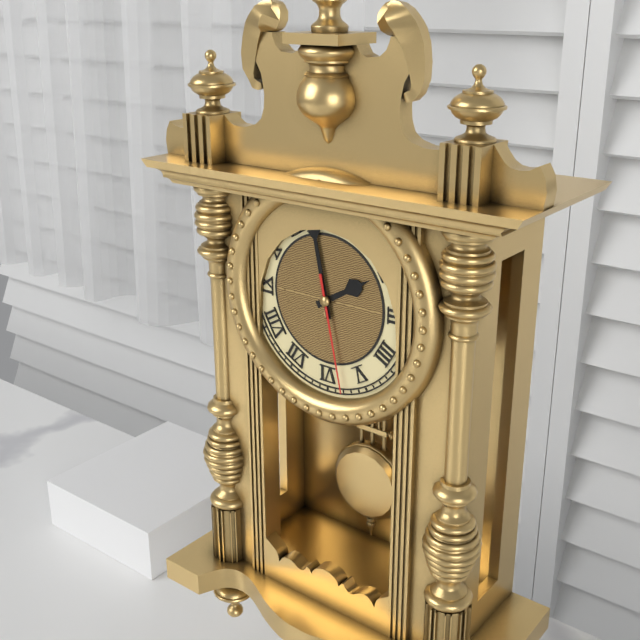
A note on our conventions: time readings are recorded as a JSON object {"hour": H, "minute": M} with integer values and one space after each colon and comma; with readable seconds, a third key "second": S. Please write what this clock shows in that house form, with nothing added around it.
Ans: {"hour": 1, "minute": 58, "second": 28}
